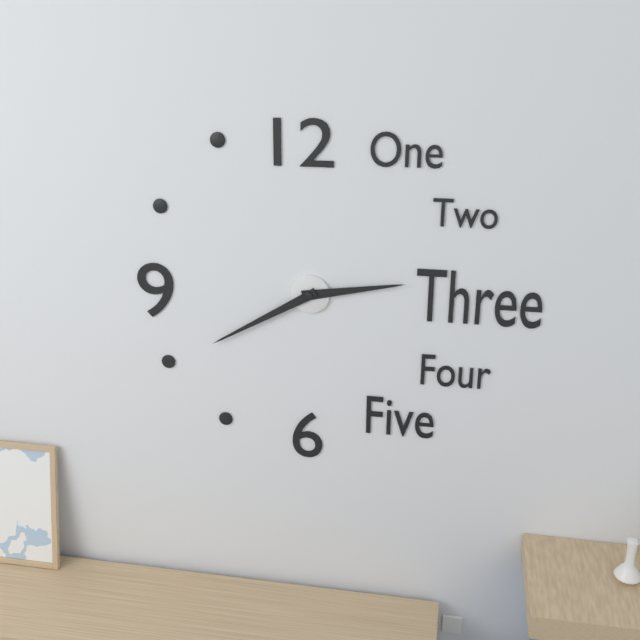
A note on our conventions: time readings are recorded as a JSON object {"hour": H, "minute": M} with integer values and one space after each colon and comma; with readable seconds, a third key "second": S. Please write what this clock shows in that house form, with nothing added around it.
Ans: {"hour": 2, "minute": 40}
